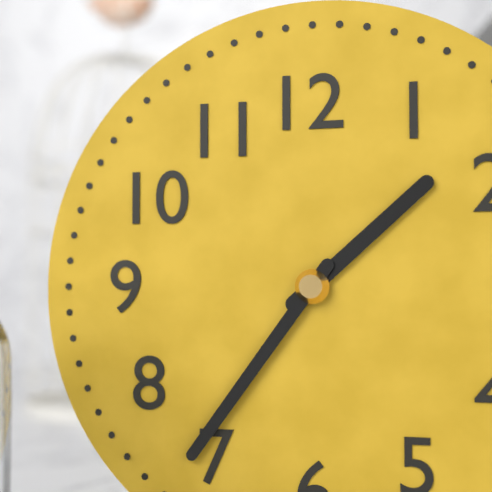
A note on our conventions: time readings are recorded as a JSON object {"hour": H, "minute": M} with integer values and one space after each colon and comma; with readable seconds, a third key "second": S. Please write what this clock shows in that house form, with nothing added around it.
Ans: {"hour": 1, "minute": 36}
